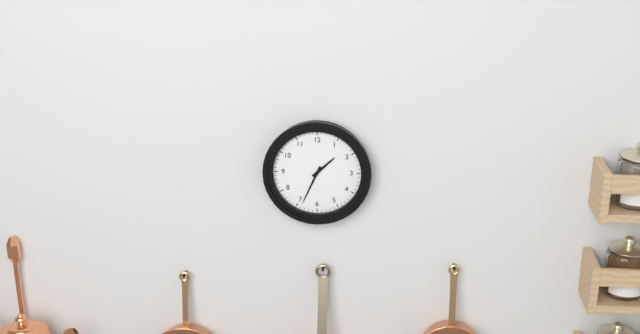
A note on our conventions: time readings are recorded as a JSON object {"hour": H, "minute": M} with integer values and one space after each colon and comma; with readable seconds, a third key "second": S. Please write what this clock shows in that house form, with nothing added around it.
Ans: {"hour": 1, "minute": 34}
